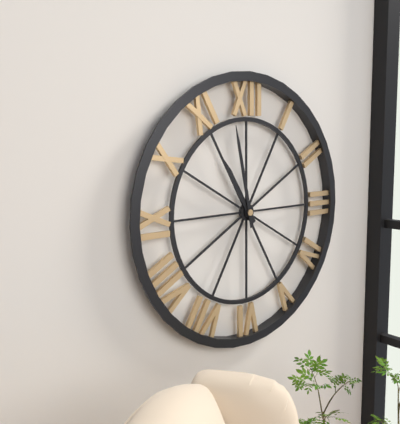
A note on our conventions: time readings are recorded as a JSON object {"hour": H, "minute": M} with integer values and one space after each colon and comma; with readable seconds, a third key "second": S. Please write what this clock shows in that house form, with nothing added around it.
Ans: {"hour": 10, "minute": 58}
